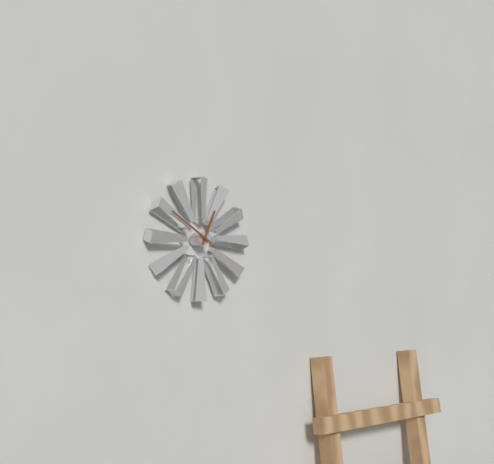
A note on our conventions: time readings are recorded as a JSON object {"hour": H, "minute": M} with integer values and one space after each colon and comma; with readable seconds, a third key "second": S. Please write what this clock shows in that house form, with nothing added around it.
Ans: {"hour": 12, "minute": 50}
